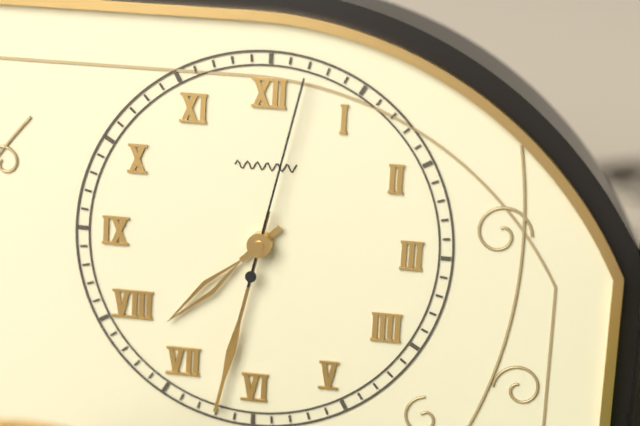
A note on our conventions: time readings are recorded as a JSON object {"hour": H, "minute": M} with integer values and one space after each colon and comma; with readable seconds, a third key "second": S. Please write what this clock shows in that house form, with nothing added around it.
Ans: {"hour": 7, "minute": 32, "second": 2}
